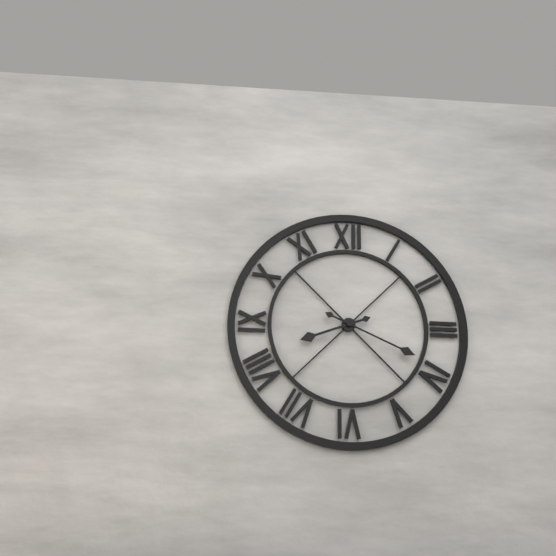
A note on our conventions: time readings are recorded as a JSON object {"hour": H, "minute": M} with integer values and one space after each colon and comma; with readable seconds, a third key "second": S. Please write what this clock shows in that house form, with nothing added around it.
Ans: {"hour": 8, "minute": 19}
